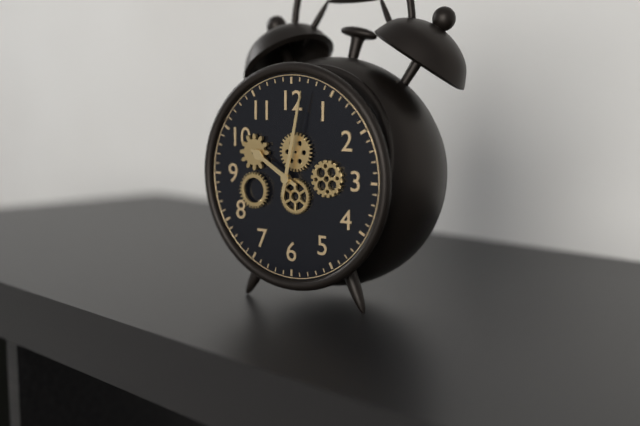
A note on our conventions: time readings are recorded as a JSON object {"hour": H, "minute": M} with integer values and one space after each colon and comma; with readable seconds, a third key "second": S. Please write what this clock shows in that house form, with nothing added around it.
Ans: {"hour": 10, "minute": 2}
